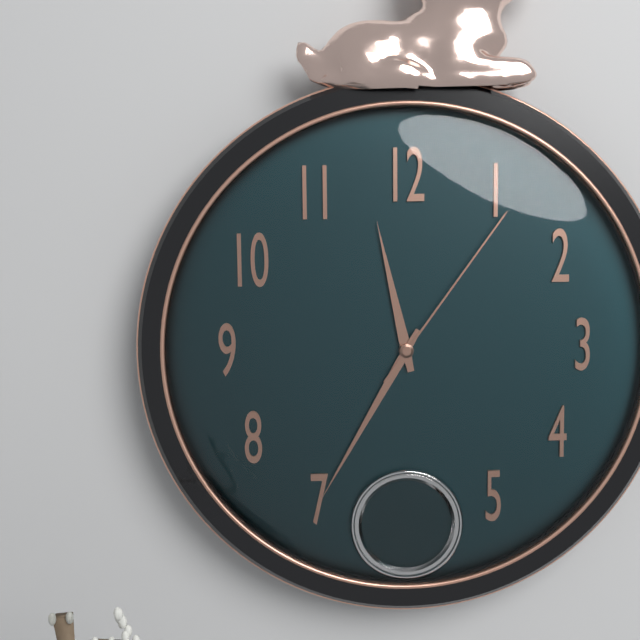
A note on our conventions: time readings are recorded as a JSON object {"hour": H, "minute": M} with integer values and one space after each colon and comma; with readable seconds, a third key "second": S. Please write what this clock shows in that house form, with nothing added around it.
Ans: {"hour": 11, "minute": 35, "second": 6}
